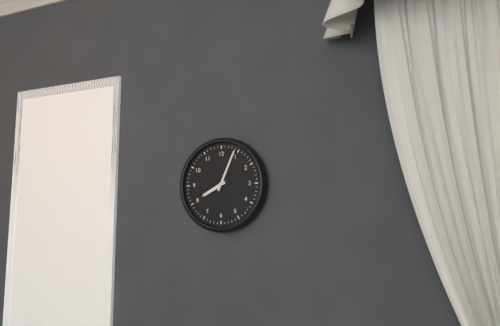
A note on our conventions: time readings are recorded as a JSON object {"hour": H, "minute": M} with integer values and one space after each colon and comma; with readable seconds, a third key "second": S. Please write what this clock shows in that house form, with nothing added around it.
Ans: {"hour": 8, "minute": 4}
